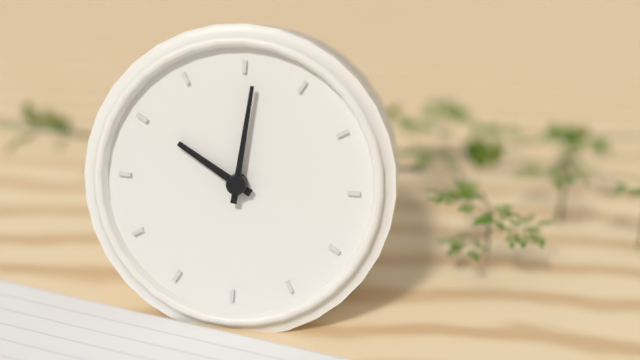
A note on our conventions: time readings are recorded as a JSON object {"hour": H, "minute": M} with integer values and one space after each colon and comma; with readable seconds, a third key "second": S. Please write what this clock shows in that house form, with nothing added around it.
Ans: {"hour": 10, "minute": 1}
